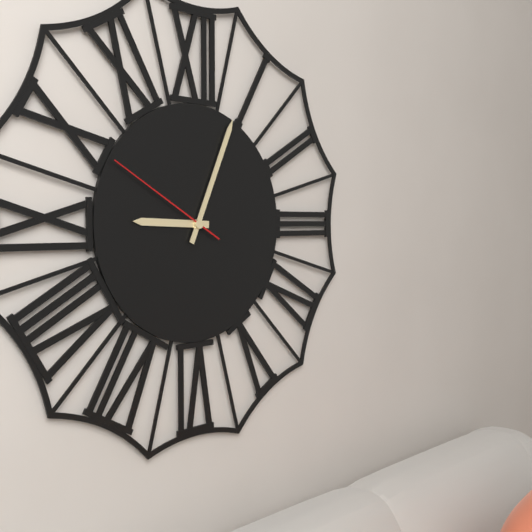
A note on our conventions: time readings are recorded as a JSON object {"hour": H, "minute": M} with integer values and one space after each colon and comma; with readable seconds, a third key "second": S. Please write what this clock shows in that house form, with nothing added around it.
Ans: {"hour": 9, "minute": 4, "second": 50}
